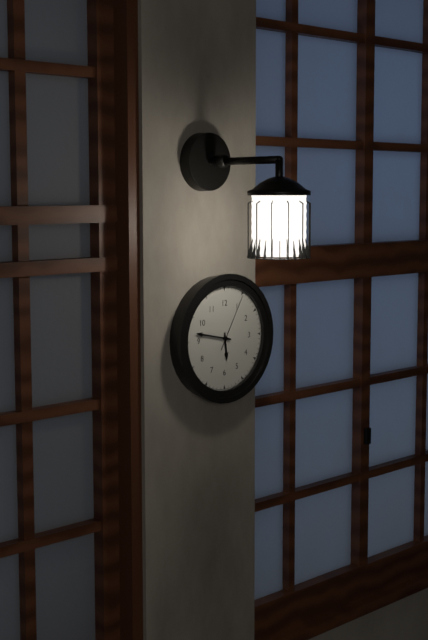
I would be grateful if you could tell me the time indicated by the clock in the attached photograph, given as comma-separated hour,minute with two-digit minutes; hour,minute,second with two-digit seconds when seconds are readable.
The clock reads 5,47,05
